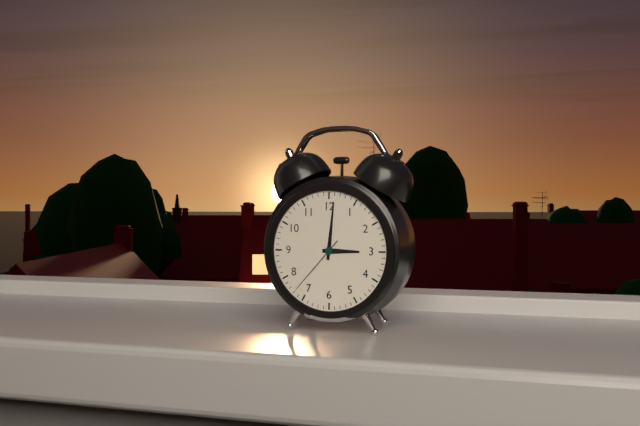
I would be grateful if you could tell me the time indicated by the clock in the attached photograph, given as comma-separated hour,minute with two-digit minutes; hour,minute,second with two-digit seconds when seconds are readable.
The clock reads 3,01,37
